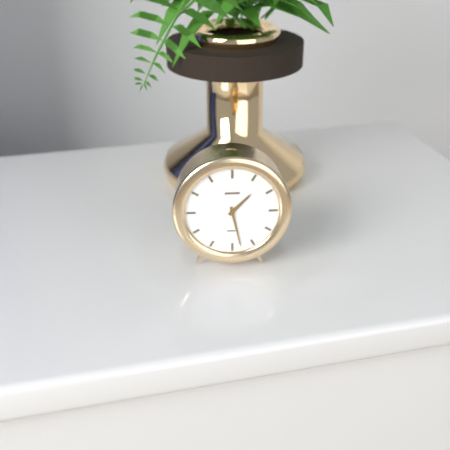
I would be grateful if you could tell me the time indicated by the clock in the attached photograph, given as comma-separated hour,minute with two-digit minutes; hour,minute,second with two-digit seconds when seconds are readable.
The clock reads 1,28
